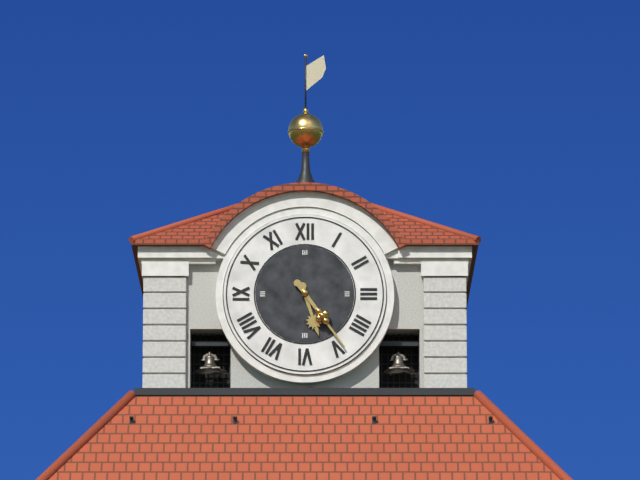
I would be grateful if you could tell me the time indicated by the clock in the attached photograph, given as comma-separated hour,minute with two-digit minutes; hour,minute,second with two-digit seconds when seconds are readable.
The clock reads 5,24
